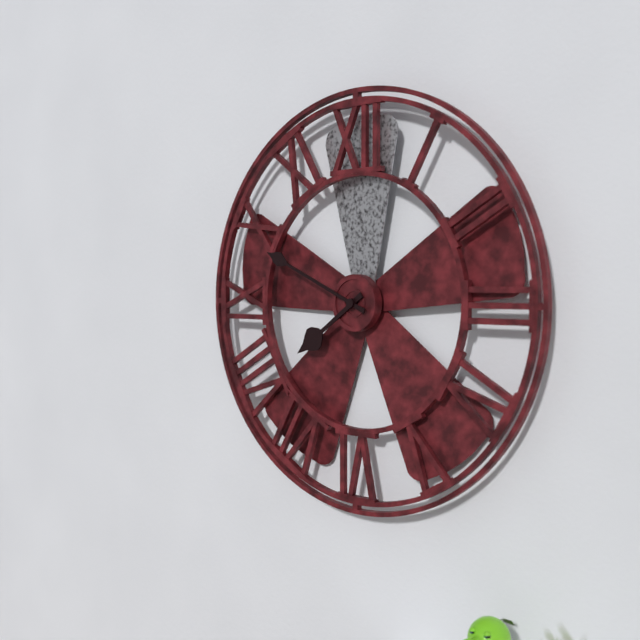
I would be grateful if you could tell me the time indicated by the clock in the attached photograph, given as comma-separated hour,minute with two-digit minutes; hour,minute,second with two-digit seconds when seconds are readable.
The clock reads 7,49
